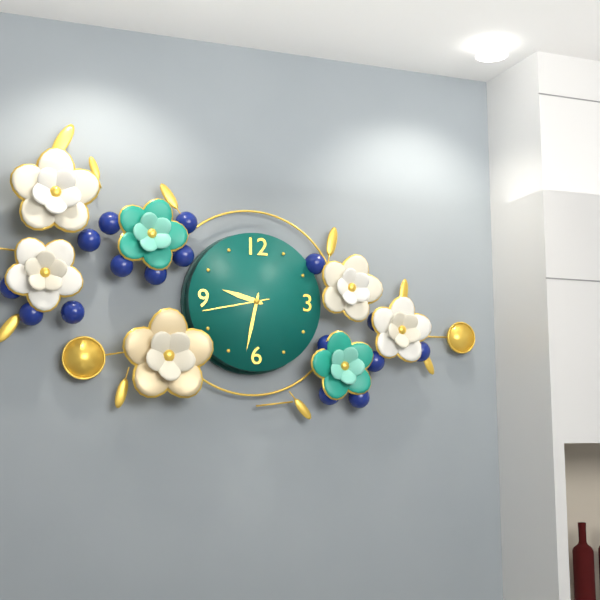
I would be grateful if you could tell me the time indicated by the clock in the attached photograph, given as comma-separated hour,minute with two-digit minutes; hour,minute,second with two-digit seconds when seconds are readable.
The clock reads 9,32,43
